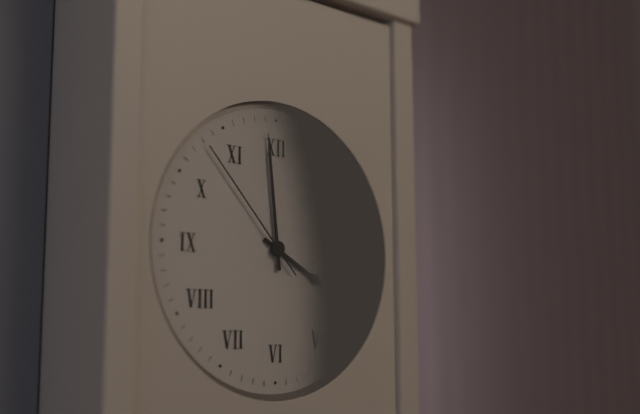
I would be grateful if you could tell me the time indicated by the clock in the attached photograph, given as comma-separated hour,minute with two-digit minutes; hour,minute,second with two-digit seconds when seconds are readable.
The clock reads 3,59,53
